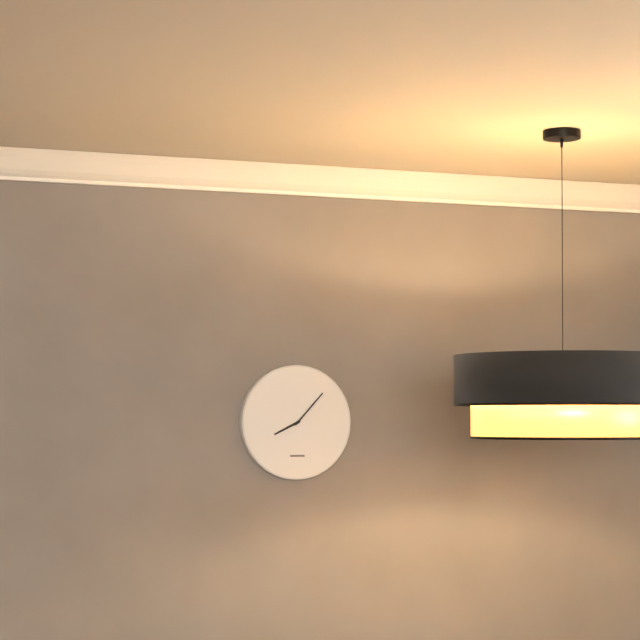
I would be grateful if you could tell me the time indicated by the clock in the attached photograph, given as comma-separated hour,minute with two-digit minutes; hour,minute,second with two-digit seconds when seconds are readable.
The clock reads 8,07
